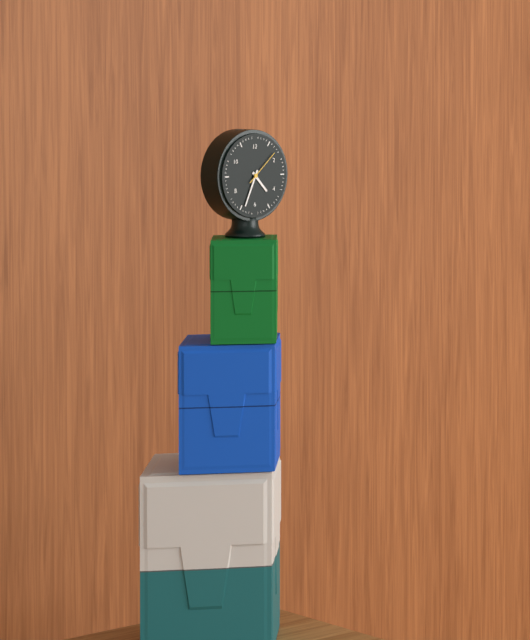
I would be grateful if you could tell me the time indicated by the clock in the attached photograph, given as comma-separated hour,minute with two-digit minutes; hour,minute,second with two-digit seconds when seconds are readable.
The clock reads 4,34
